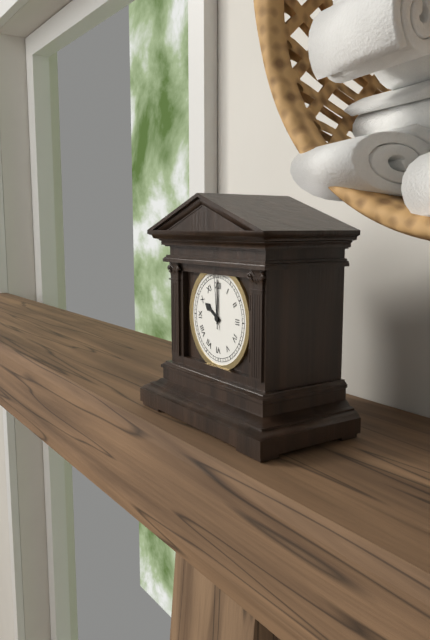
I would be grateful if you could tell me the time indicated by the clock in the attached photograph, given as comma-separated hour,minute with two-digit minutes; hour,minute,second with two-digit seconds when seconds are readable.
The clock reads 10,00,59
